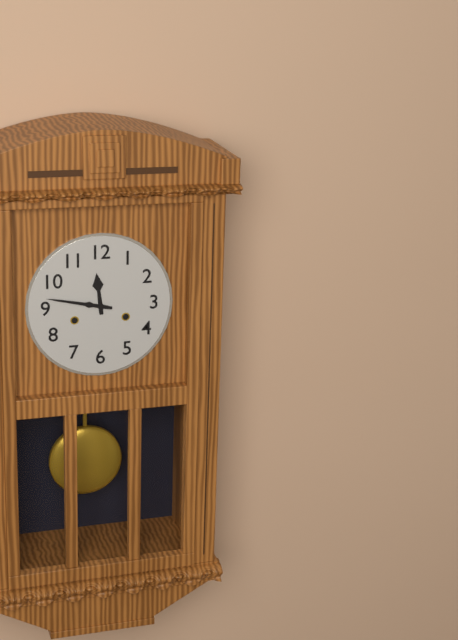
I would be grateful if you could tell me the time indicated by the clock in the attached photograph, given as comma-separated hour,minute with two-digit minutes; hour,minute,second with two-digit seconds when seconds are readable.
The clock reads 11,47
